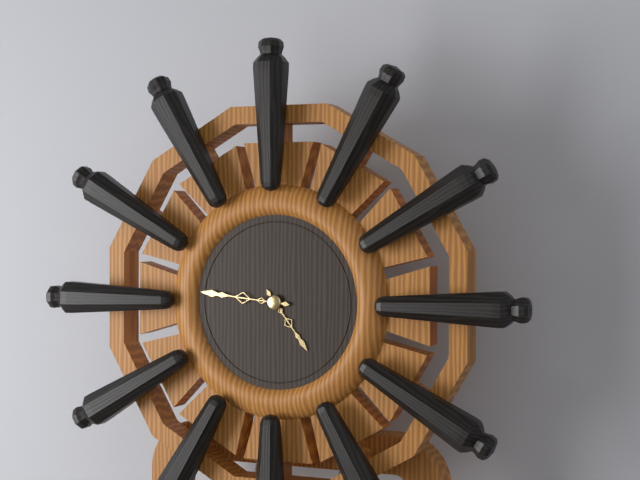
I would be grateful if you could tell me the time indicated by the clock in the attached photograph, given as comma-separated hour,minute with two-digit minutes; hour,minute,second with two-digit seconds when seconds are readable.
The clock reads 4,46
